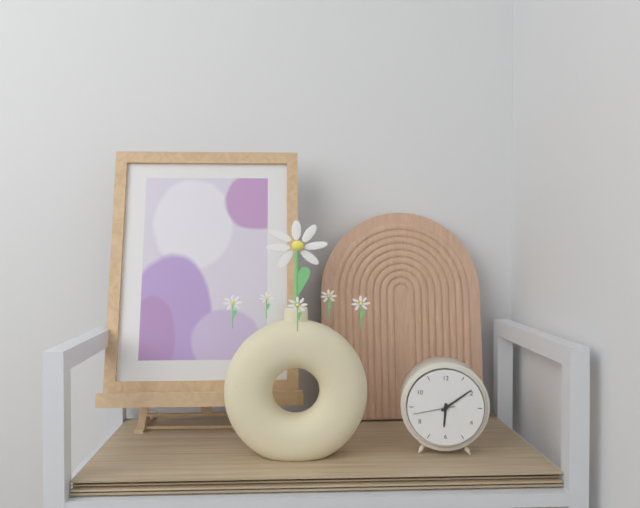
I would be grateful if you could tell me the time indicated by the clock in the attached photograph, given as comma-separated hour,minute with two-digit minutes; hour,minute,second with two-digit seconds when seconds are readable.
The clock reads 6,09
